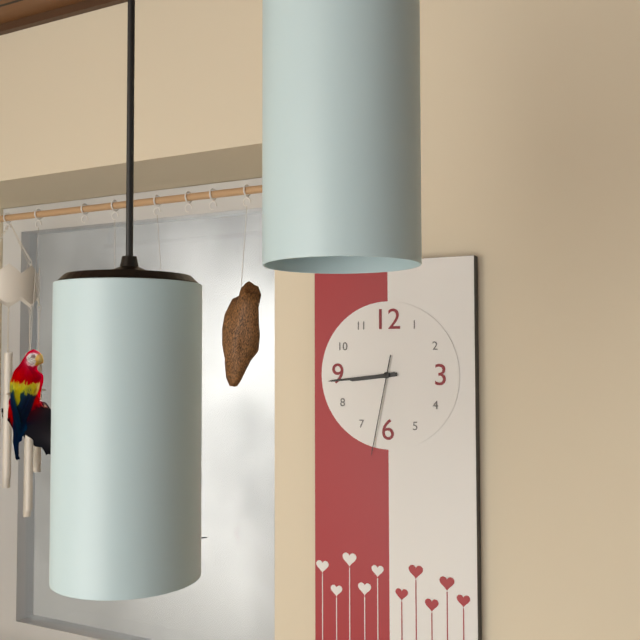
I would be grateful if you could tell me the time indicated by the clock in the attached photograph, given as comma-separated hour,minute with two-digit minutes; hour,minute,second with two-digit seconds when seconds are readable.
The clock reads 8,44,32
